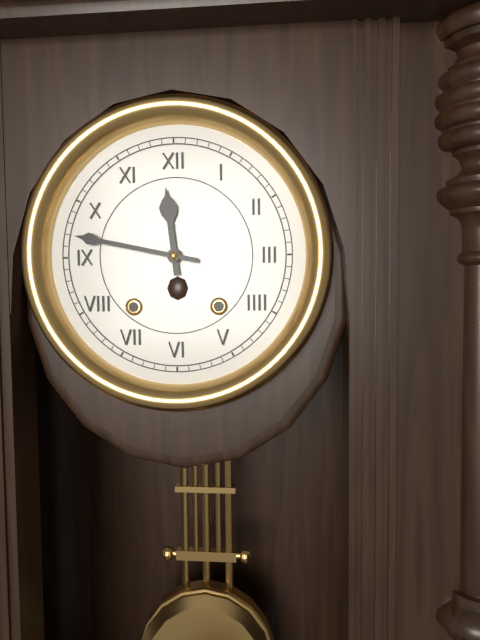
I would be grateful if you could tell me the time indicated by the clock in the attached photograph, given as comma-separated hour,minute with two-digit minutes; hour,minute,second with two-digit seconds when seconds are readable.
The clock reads 11,47
